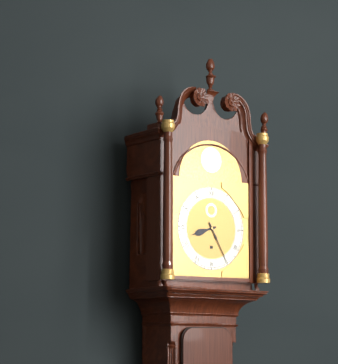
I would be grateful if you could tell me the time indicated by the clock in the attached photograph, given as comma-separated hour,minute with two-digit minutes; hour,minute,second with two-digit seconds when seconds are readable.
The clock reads 8,25
